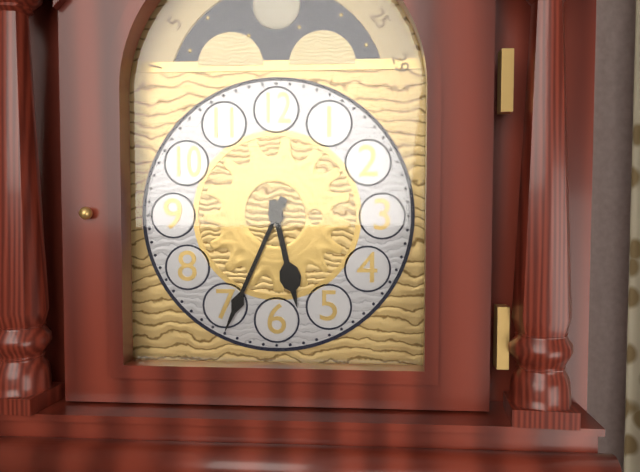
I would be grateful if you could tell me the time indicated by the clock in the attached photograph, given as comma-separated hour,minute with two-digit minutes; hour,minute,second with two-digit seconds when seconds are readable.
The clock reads 5,34
